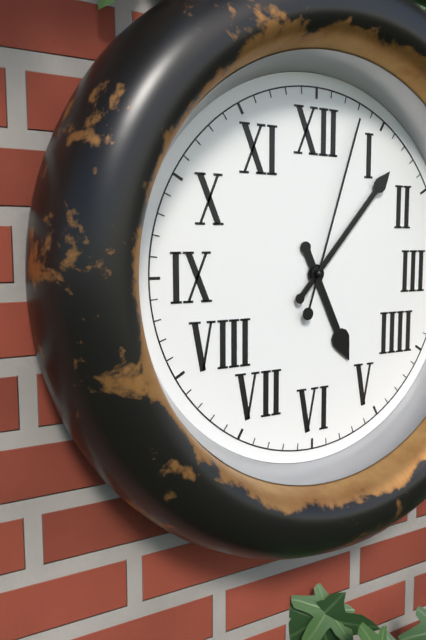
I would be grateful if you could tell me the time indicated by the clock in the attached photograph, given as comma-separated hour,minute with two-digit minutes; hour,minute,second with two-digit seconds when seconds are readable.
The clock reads 5,07,03
